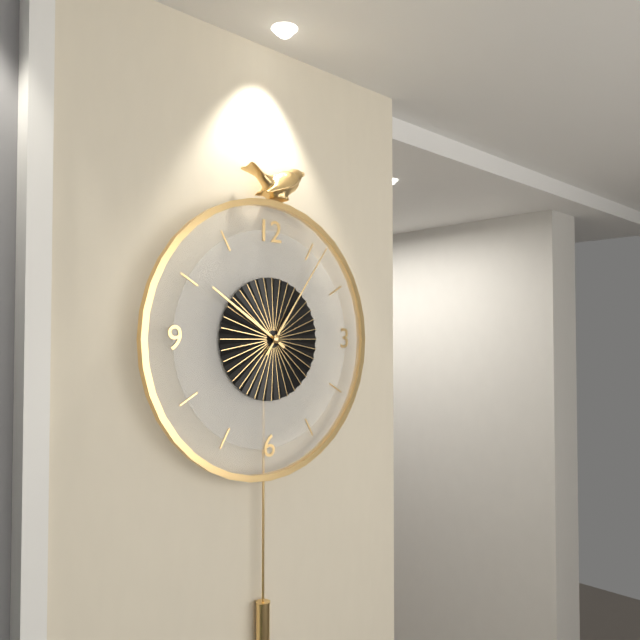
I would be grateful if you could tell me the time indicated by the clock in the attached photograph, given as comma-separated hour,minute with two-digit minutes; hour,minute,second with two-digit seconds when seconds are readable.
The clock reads 10,06
